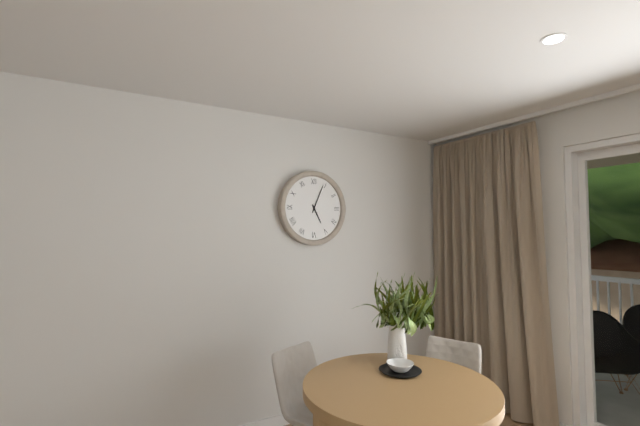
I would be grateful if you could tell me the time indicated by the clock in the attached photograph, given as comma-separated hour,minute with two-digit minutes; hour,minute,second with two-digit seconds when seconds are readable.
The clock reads 5,04
